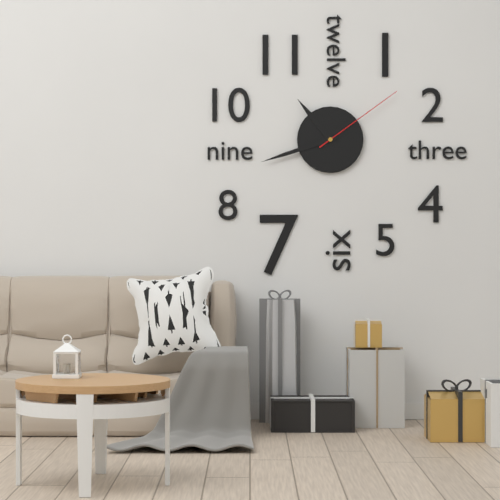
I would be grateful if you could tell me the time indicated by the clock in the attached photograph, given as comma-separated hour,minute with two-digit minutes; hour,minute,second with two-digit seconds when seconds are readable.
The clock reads 10,42,09
